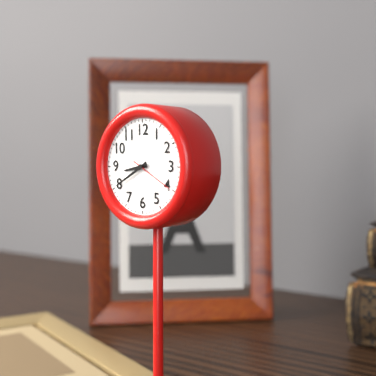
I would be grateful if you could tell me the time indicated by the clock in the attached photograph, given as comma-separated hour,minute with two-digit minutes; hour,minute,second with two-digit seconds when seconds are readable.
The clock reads 8,40
